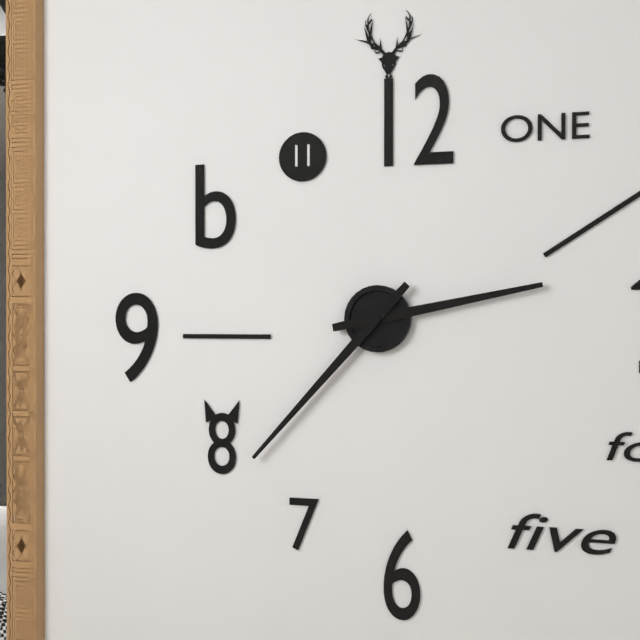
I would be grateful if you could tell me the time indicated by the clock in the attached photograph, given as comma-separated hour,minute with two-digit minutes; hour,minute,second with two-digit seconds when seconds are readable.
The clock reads 2,37
